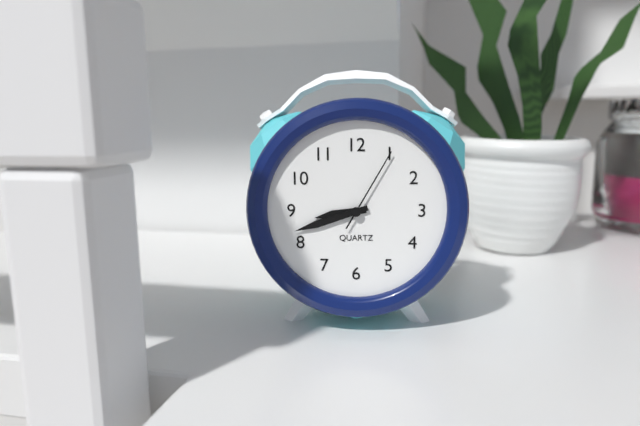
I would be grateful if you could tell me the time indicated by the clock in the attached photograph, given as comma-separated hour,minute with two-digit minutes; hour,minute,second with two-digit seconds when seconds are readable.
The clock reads 8,42,05
